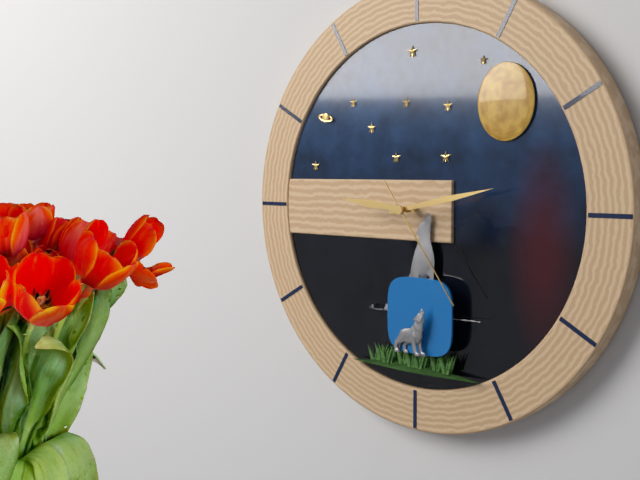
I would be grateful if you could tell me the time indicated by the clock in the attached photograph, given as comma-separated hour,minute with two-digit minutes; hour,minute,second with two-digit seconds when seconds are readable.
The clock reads 9,13,24
